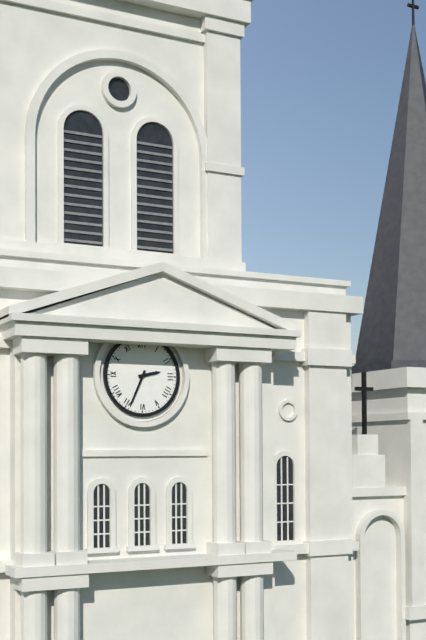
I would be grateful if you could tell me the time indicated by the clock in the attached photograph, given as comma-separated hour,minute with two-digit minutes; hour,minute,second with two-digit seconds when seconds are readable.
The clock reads 2,34
